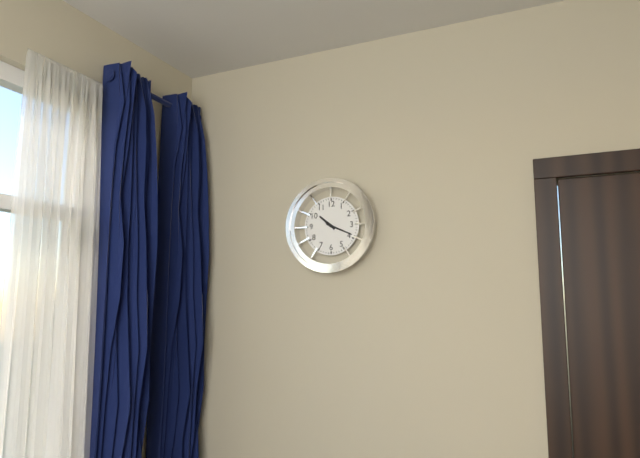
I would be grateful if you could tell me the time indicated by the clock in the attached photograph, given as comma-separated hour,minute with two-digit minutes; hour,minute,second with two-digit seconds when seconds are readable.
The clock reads 10,19
